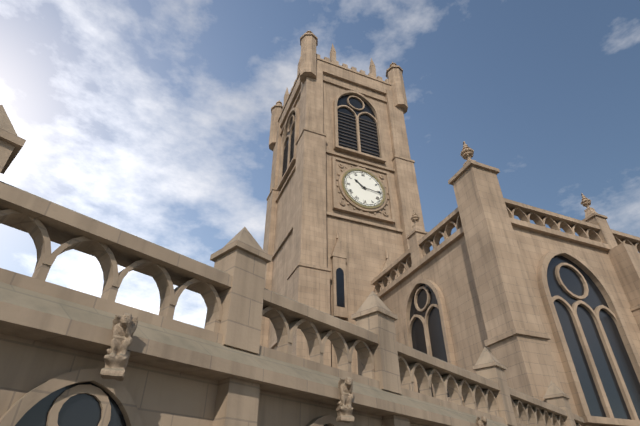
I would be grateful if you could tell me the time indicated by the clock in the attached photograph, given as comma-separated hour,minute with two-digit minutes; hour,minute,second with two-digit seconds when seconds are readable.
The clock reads 10,16
